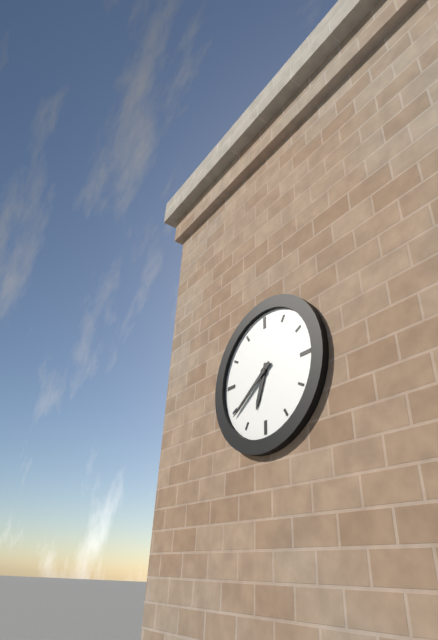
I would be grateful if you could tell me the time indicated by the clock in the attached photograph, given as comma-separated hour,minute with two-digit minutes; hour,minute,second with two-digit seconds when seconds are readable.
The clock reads 6,39
